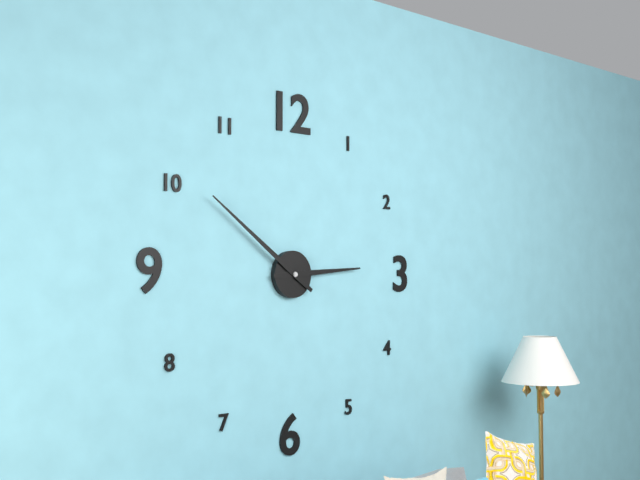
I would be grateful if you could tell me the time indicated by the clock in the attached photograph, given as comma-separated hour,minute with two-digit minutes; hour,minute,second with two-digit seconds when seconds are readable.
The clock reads 2,51
